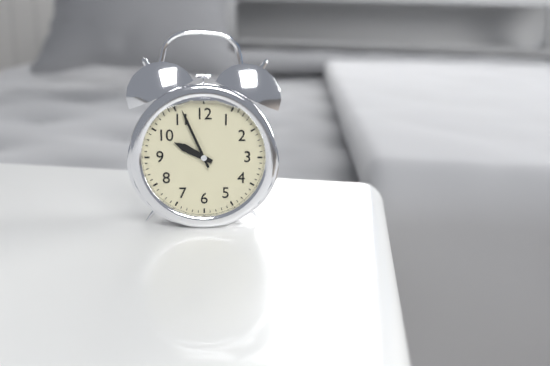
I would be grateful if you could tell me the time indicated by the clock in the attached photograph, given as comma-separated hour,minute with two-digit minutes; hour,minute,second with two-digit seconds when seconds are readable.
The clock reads 9,56
